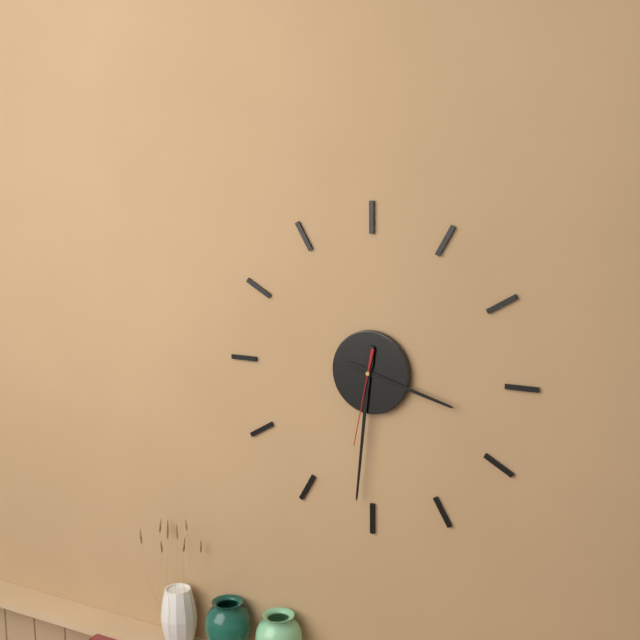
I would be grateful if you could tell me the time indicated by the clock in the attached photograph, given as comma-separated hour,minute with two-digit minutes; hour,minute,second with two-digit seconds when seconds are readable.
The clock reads 3,31,32
